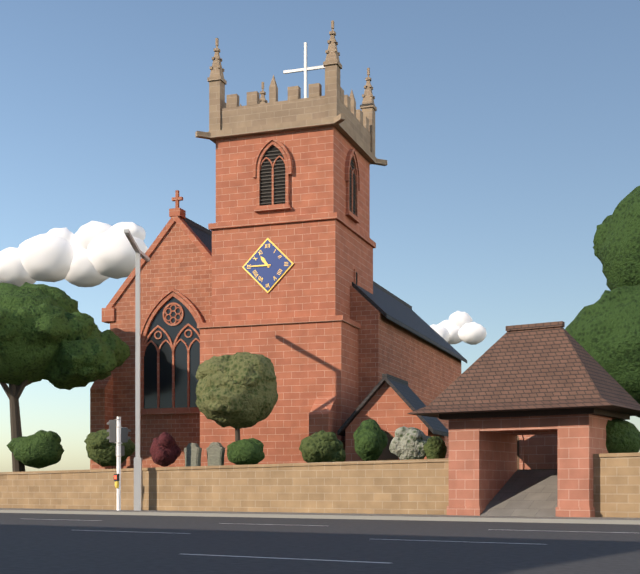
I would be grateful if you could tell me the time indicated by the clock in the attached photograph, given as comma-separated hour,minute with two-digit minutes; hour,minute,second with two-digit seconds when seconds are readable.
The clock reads 10,45
